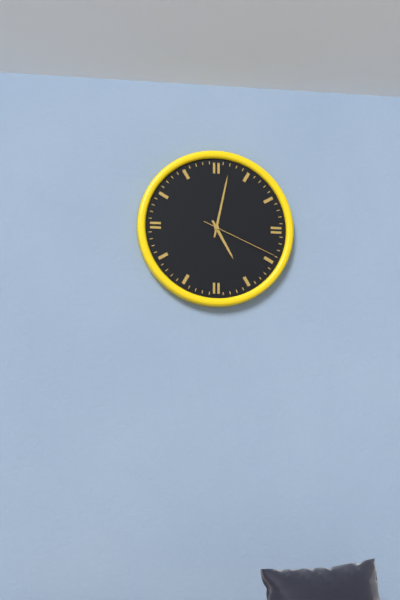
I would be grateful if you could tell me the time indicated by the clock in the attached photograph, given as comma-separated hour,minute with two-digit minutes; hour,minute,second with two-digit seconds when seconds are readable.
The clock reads 5,02,19
